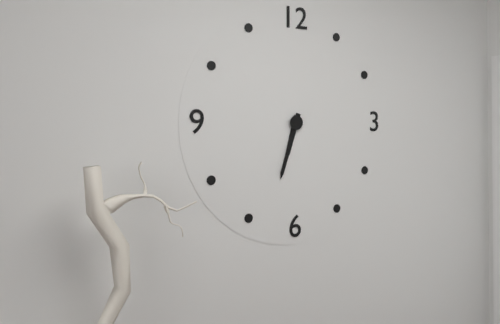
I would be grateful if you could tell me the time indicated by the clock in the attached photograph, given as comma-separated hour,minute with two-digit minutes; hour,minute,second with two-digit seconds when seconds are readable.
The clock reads 6,33
